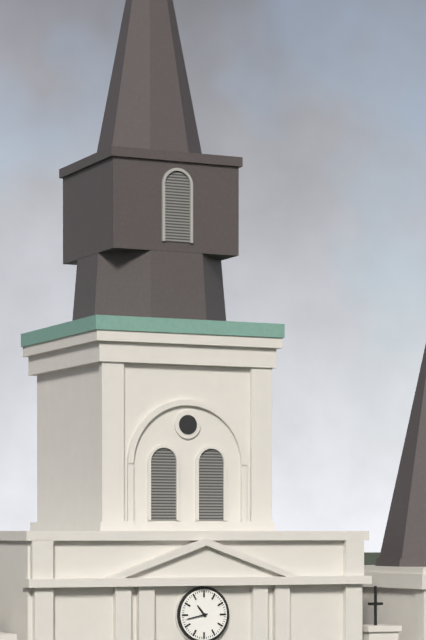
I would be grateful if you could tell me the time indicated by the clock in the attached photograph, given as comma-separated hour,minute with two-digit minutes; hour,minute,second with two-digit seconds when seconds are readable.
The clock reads 10,43
